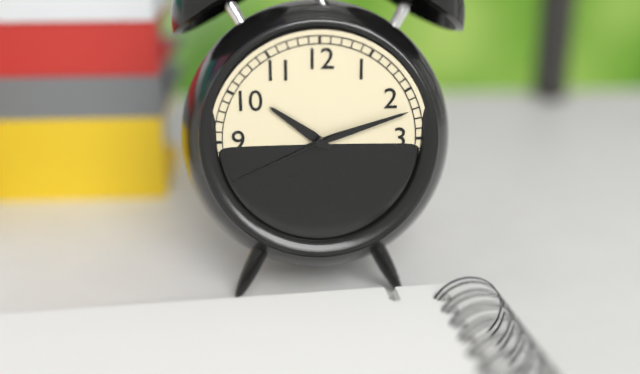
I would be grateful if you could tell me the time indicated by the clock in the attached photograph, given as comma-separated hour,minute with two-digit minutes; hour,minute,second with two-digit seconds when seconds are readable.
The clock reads 10,12,41
